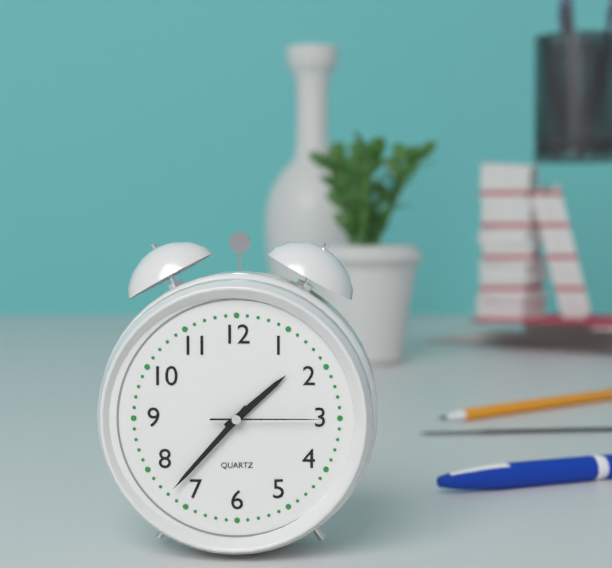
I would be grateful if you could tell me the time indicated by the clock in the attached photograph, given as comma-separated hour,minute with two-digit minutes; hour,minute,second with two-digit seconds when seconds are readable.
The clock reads 1,37,15
